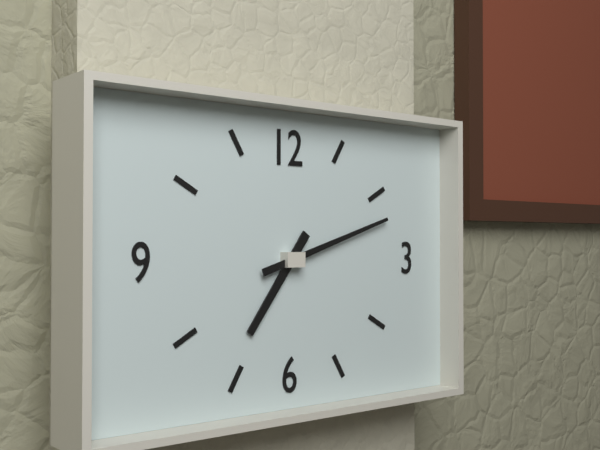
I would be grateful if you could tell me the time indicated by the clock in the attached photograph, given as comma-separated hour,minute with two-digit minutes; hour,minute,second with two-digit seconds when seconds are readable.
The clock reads 7,12
